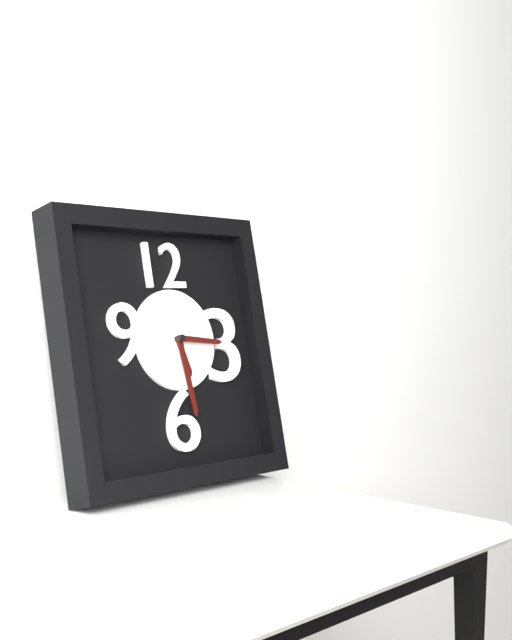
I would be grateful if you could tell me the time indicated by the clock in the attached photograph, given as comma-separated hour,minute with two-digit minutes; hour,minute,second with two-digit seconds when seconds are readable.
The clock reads 5,29,16
